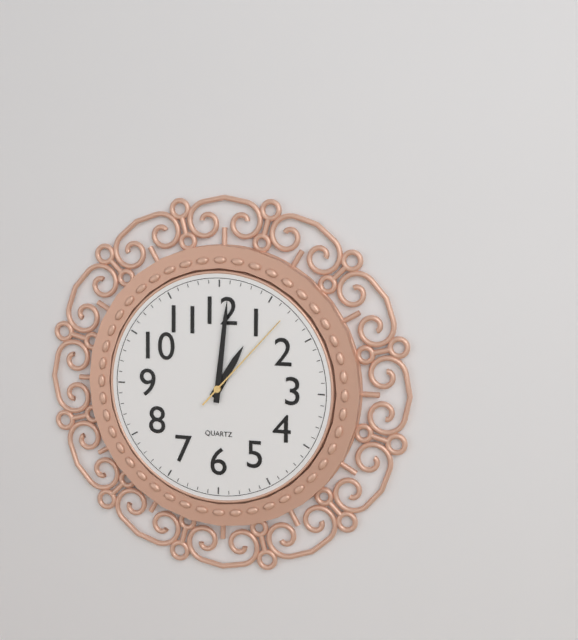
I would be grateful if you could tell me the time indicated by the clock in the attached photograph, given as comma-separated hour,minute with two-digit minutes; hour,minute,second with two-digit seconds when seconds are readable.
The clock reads 1,01,07
